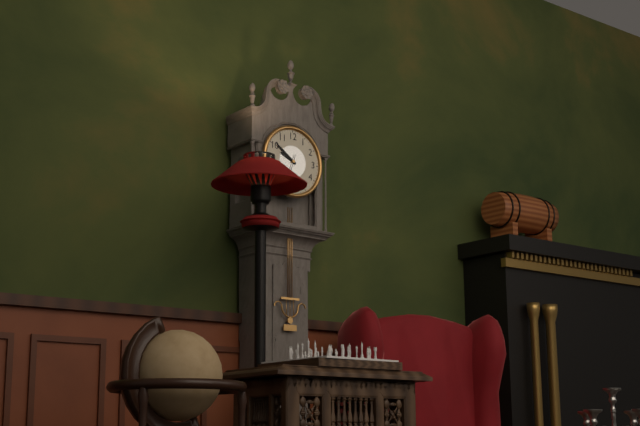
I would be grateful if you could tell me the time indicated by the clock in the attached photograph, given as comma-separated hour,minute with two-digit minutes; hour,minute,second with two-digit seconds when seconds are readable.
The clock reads 9,51
